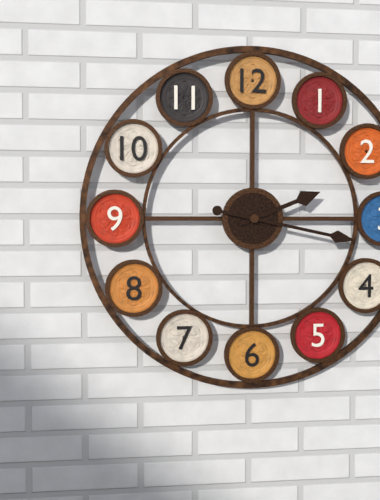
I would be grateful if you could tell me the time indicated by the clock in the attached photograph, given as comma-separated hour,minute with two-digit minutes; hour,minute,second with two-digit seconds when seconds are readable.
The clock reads 2,17
